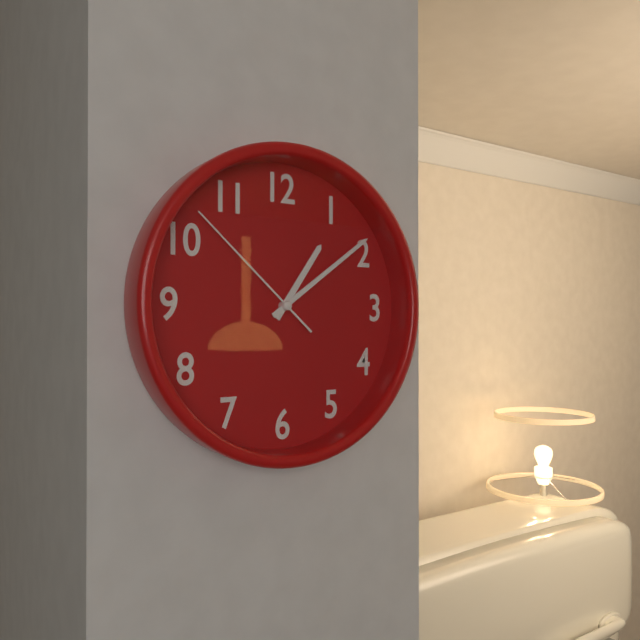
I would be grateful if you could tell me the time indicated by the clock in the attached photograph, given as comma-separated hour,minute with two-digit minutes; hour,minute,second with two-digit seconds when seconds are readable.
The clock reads 1,09,52
